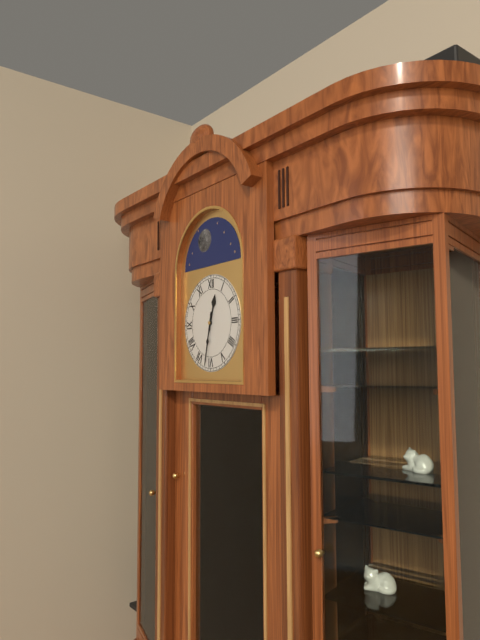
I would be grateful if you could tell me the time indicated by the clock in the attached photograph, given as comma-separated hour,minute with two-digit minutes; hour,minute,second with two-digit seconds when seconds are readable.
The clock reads 12,32
